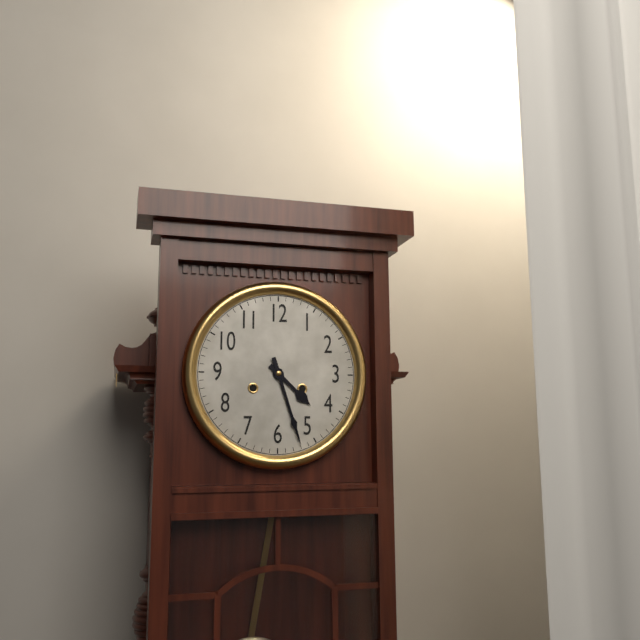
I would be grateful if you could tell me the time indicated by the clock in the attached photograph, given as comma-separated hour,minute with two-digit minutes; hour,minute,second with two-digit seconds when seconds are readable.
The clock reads 4,27
